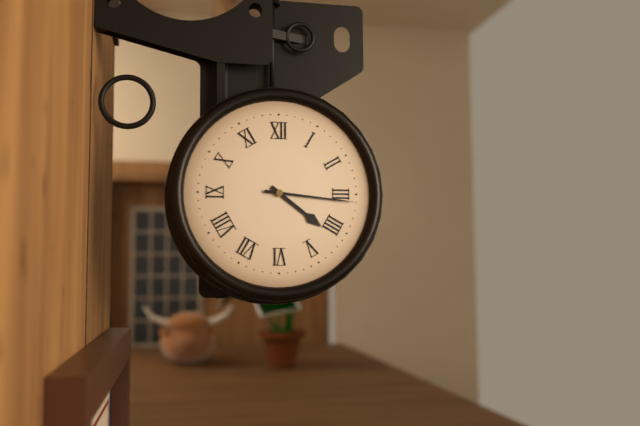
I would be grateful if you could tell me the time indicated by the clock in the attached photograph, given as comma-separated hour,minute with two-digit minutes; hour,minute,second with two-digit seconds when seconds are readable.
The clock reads 4,16
